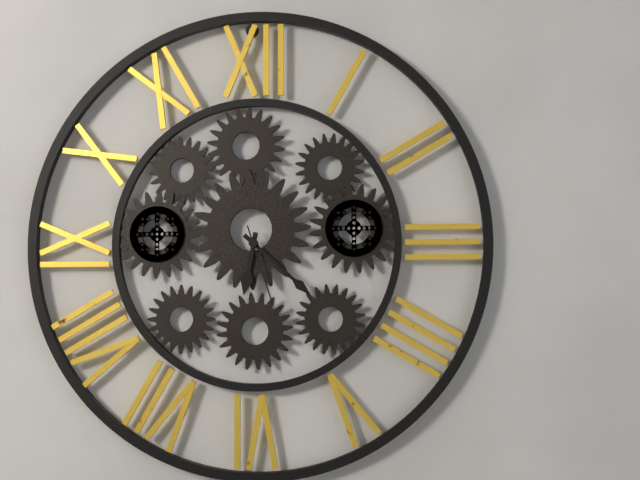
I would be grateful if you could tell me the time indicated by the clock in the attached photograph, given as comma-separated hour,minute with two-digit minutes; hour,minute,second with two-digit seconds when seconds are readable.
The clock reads 6,22,27
